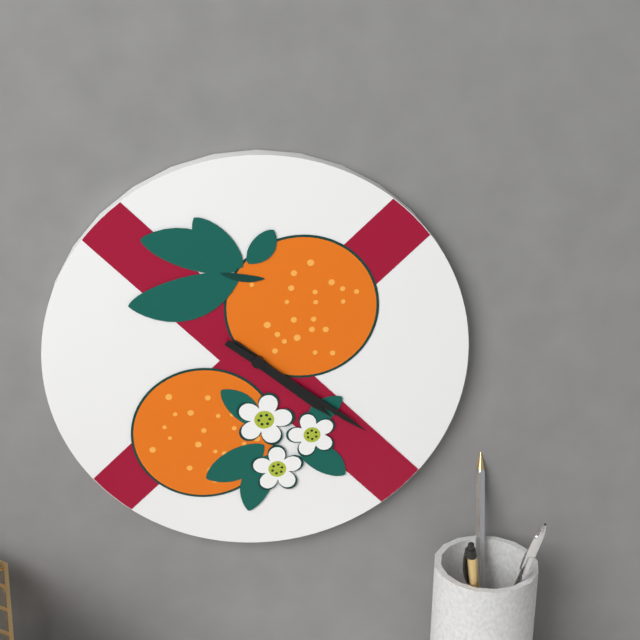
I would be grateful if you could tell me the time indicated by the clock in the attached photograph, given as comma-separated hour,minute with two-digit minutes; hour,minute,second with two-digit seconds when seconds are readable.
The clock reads 4,21
